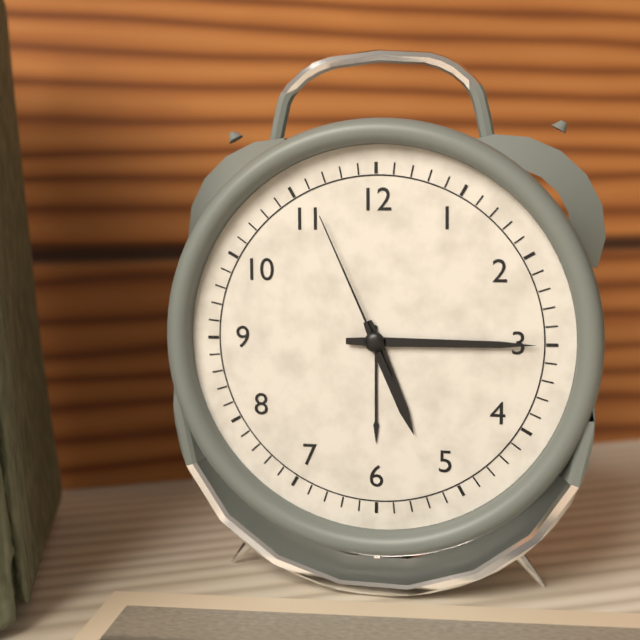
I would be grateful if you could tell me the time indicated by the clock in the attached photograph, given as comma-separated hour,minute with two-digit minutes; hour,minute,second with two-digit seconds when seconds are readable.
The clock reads 5,15,56
